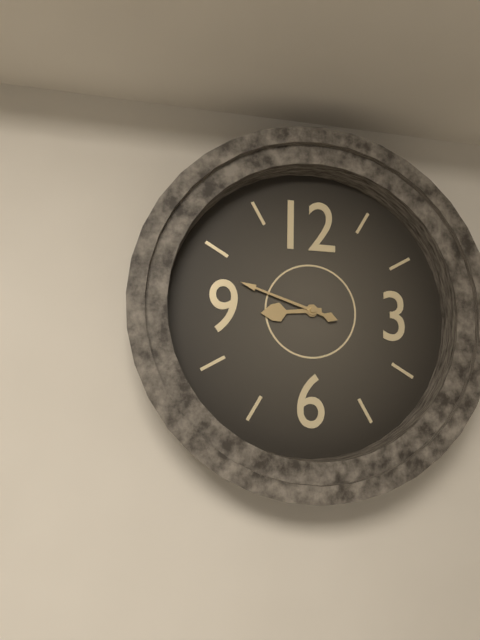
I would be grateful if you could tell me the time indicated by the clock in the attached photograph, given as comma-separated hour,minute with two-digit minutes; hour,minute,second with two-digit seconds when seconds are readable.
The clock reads 8,48
